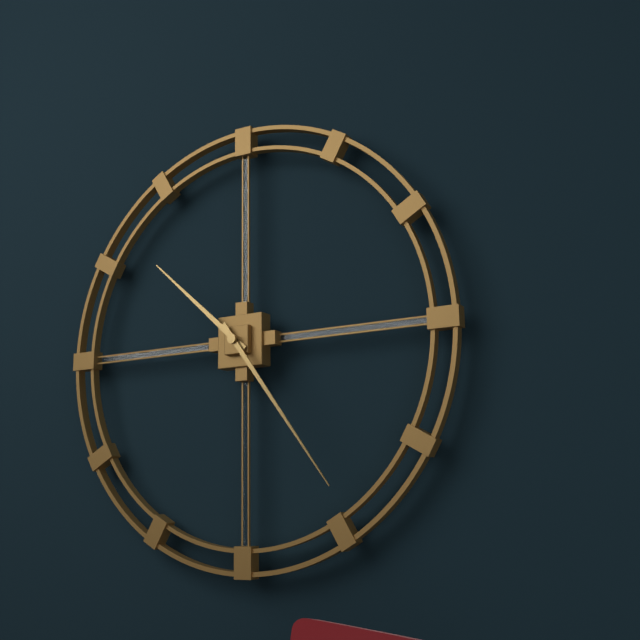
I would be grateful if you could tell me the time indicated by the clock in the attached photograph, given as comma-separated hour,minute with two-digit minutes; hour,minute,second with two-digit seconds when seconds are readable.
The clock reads 10,24
